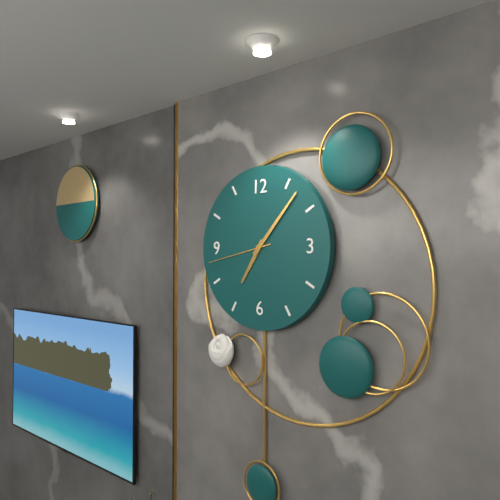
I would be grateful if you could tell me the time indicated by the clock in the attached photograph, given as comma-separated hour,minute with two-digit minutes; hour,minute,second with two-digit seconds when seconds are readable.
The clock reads 7,07,43
